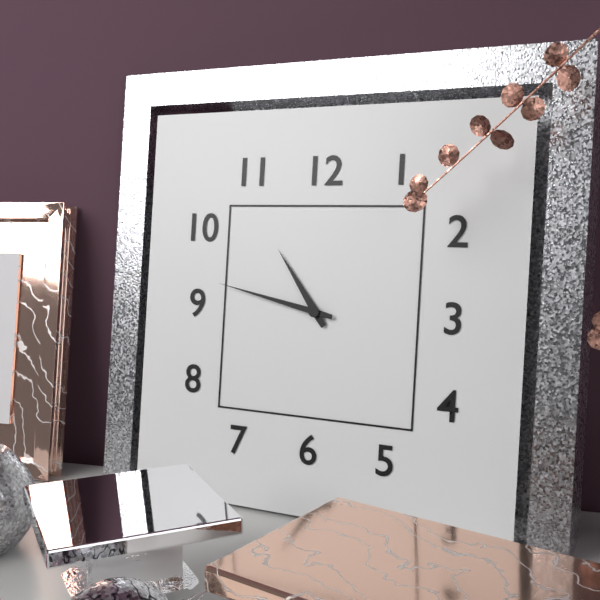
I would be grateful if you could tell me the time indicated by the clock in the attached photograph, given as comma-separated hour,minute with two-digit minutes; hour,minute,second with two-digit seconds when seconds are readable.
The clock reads 10,47
